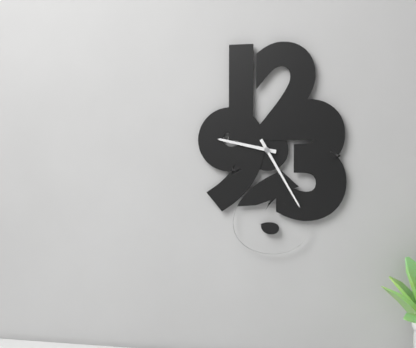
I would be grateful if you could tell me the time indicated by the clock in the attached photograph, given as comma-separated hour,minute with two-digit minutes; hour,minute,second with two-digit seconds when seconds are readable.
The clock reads 9,25
